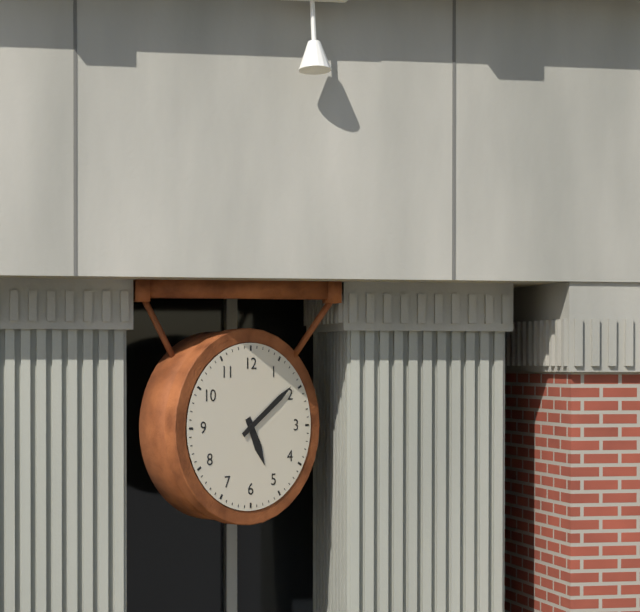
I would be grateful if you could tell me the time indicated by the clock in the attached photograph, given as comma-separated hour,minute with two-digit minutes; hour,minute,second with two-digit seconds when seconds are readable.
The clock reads 5,09
